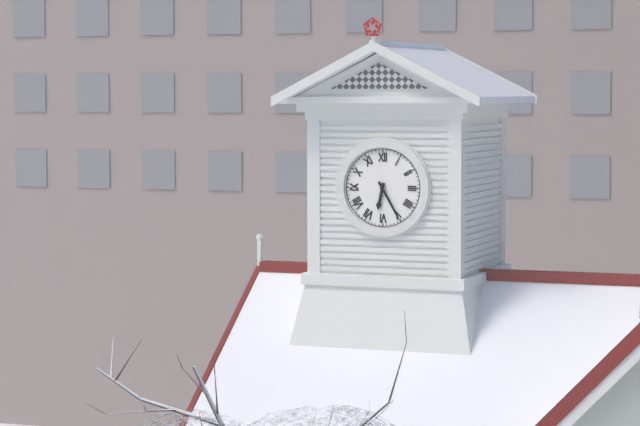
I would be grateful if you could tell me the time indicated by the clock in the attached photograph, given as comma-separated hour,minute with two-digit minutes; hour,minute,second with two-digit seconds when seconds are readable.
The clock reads 6,25
